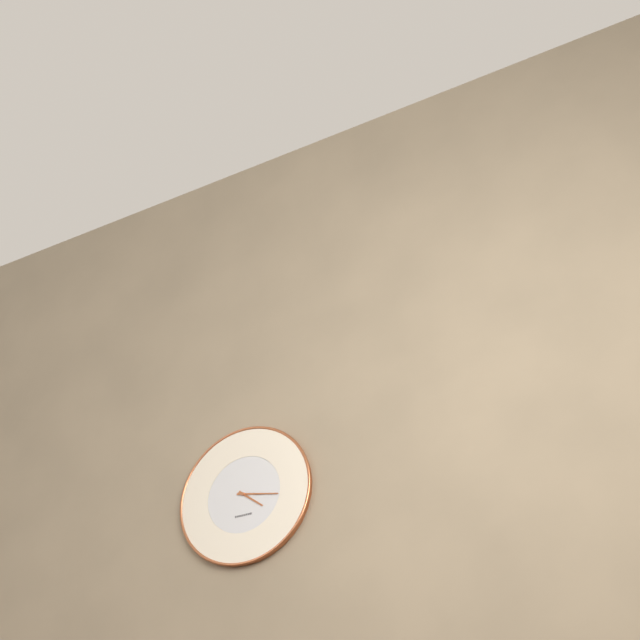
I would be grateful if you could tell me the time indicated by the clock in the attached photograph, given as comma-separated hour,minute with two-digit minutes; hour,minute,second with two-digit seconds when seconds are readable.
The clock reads 4,17
